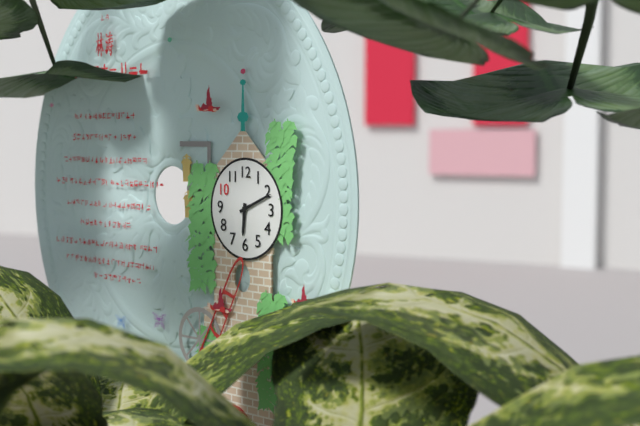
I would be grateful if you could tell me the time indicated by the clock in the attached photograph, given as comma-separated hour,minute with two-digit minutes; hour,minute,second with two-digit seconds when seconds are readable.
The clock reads 6,11
